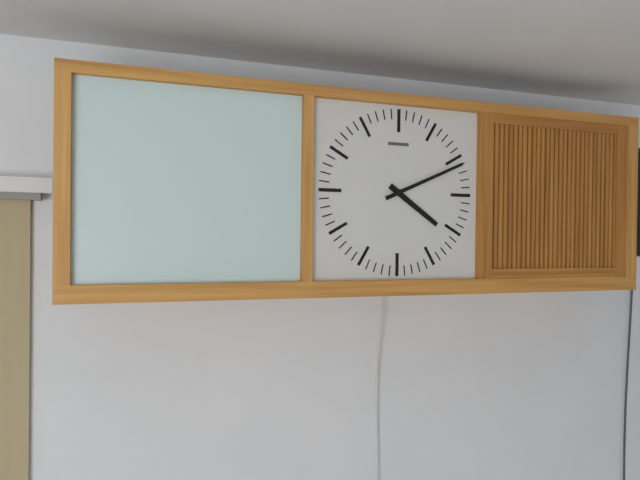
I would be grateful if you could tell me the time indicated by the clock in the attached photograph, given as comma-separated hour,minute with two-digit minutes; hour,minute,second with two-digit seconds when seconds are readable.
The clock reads 4,11
